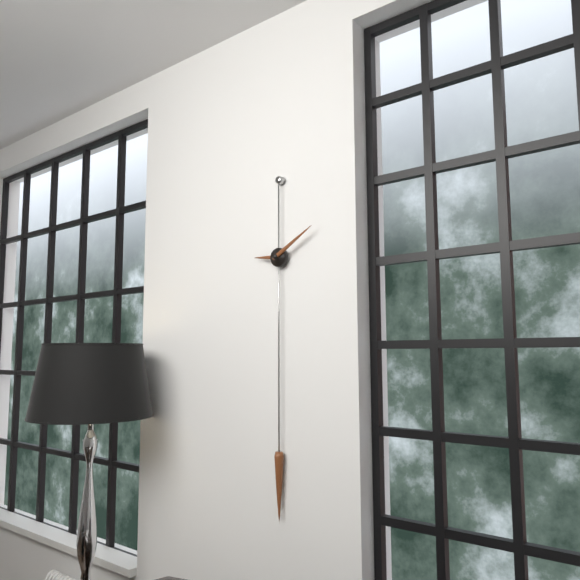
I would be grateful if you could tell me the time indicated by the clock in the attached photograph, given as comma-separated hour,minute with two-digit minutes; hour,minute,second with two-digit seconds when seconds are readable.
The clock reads 9,10
